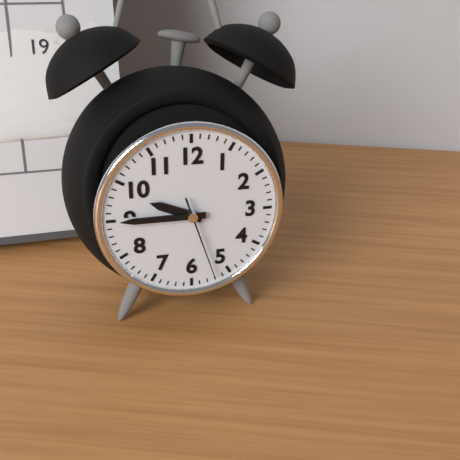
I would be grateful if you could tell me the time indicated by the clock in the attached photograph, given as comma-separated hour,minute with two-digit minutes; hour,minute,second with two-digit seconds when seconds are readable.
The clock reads 9,45,27
